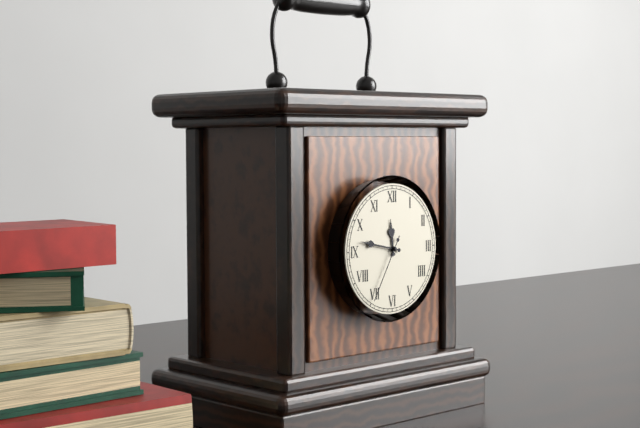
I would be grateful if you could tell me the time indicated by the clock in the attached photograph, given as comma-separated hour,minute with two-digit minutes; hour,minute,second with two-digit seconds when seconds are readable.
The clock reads 11,47,35
